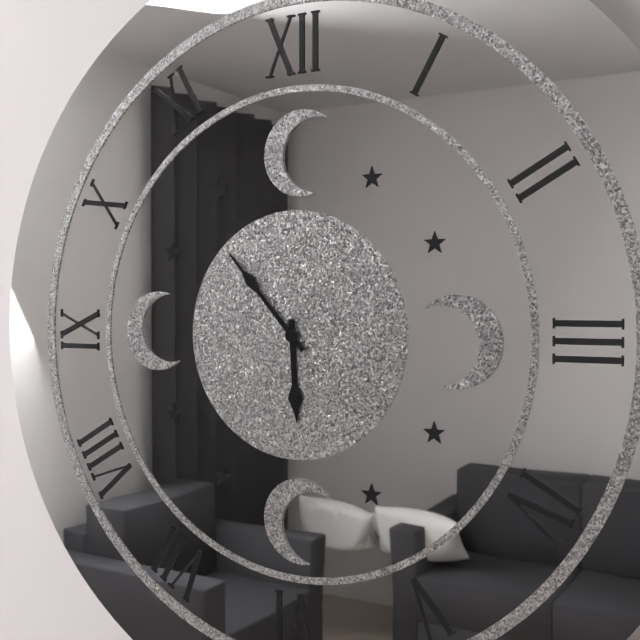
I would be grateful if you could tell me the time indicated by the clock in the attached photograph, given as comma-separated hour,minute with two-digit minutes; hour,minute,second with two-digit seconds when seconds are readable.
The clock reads 5,53
